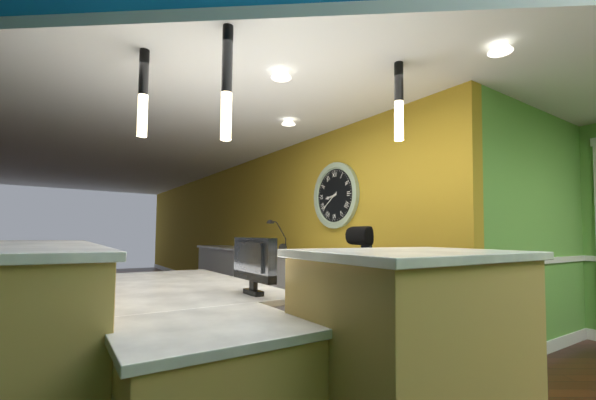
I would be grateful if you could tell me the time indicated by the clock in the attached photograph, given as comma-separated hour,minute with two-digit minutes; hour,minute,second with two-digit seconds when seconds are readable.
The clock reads 8,39
